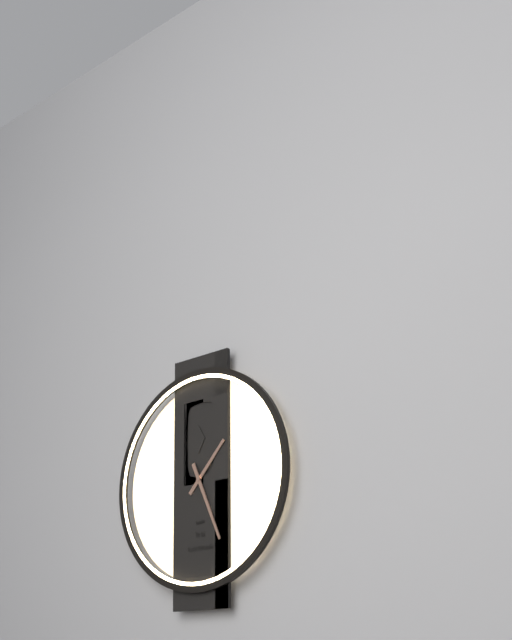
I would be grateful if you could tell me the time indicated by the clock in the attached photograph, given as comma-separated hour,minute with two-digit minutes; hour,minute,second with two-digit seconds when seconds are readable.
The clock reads 1,26
